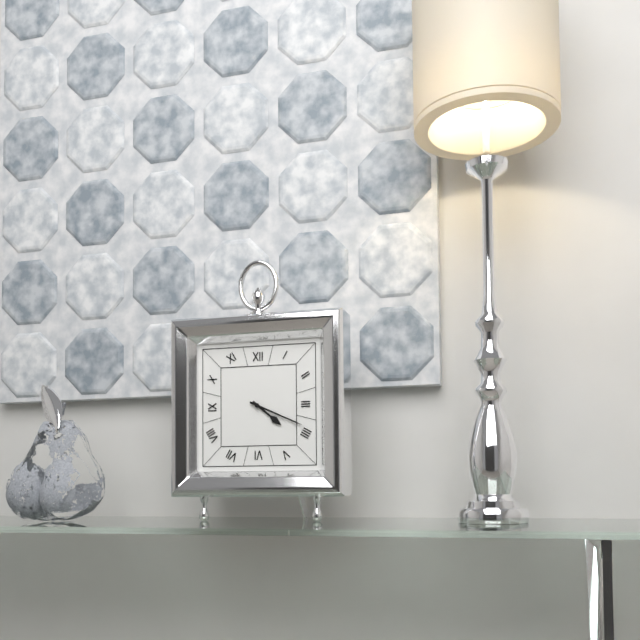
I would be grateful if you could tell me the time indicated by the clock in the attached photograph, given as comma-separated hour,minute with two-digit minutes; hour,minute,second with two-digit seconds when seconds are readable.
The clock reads 4,19
